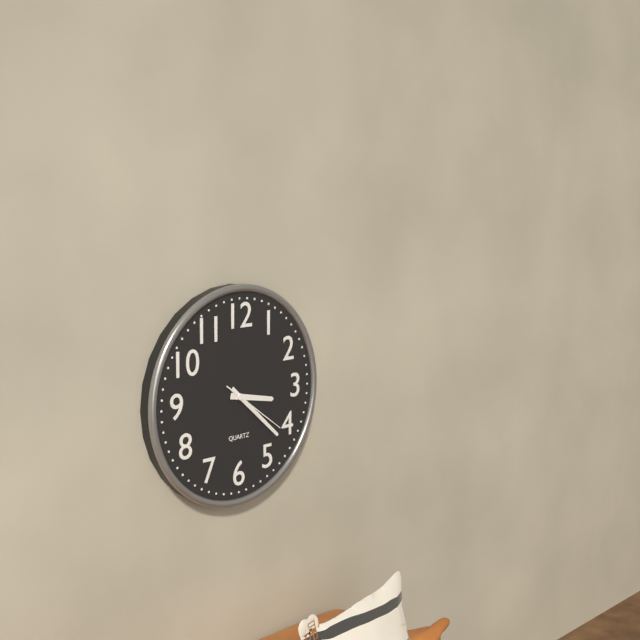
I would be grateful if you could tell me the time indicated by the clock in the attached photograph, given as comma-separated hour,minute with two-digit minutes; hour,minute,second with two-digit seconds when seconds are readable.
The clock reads 3,22,21
